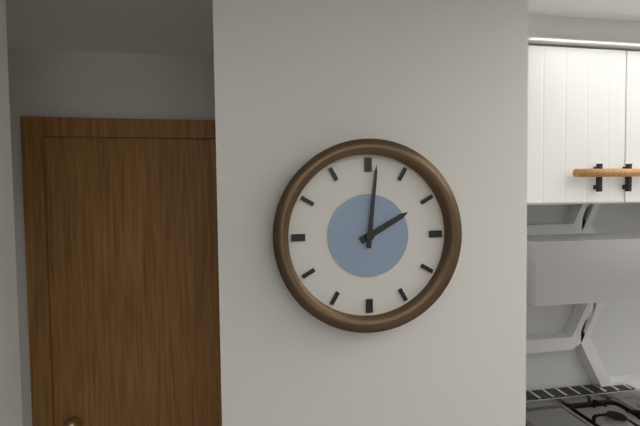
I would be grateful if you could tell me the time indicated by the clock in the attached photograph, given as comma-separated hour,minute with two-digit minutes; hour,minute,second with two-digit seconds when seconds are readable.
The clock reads 2,01
